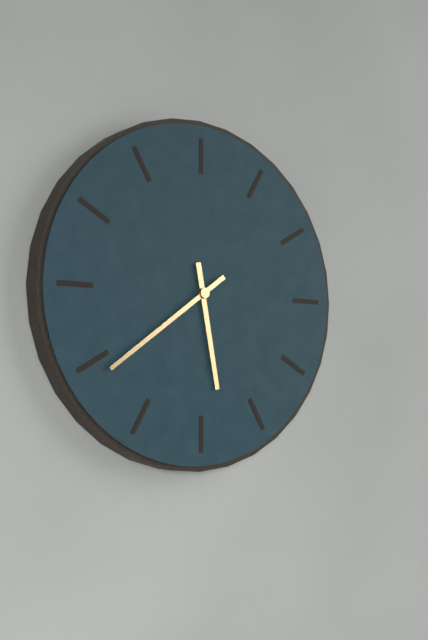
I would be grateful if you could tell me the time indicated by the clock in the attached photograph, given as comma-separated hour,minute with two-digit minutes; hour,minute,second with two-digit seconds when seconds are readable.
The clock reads 5,39
